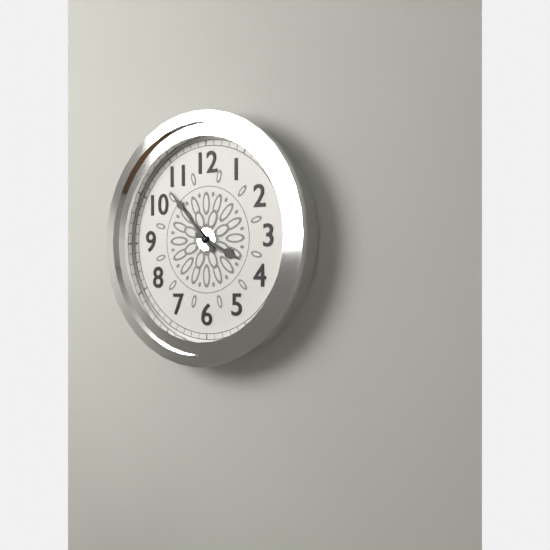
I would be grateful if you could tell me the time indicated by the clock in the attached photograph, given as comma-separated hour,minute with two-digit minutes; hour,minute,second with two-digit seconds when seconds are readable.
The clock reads 3,53
